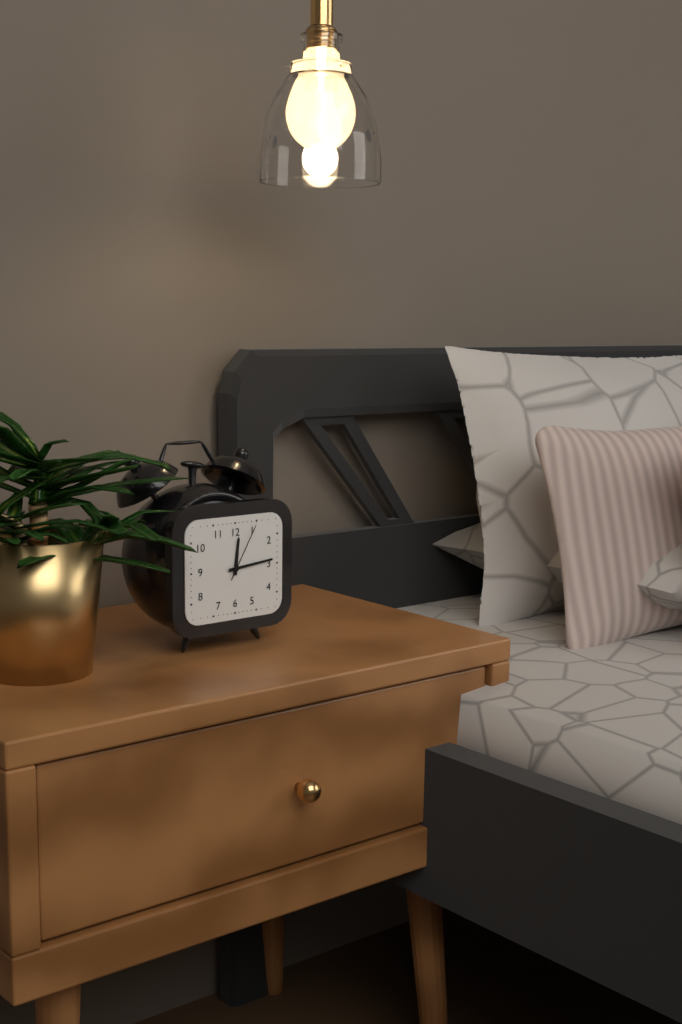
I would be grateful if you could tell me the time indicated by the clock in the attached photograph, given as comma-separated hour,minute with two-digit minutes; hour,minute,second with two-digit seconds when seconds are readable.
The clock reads 12,14,05
